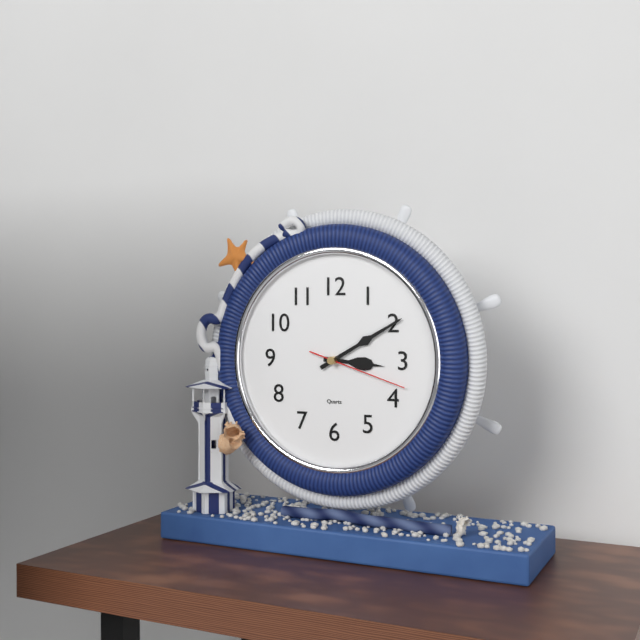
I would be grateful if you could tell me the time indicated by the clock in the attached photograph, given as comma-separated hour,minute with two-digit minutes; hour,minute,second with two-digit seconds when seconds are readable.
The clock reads 3,10,18
